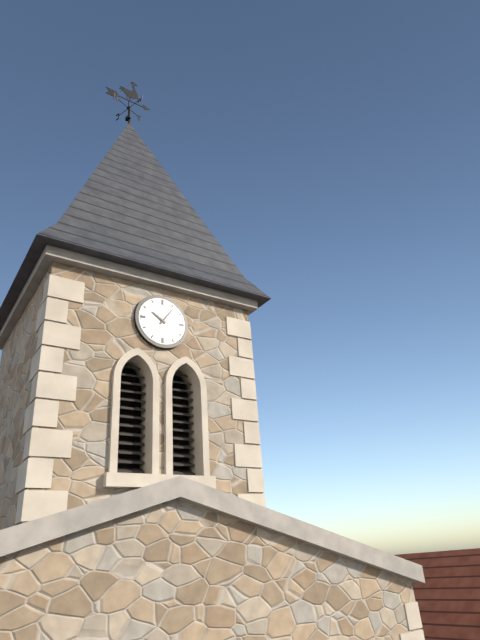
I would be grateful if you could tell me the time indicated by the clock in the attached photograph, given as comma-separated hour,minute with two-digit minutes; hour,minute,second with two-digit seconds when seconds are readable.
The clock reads 10,06
